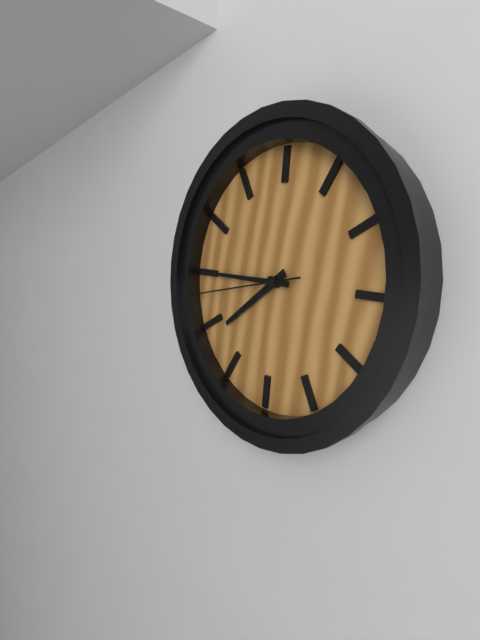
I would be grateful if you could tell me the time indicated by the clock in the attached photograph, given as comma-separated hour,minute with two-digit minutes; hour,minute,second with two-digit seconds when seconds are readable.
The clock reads 7,45,43
